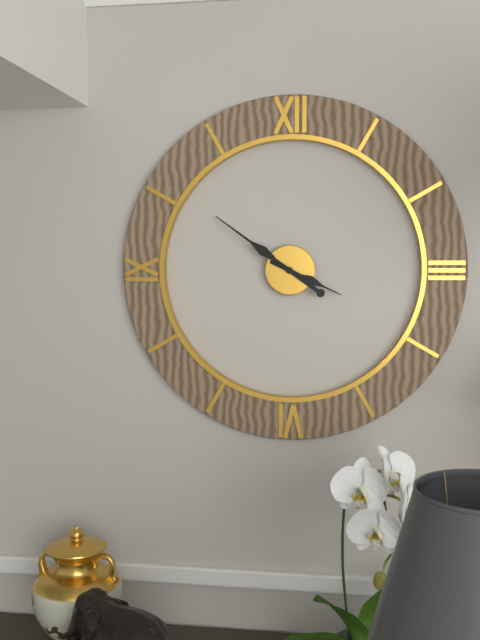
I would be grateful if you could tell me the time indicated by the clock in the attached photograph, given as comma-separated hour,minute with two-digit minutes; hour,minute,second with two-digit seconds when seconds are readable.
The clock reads 3,51
